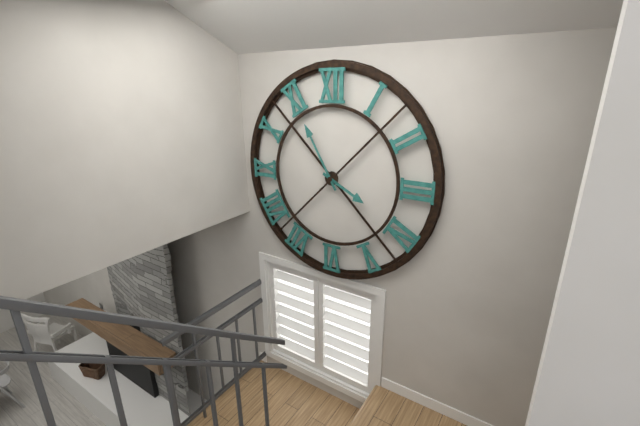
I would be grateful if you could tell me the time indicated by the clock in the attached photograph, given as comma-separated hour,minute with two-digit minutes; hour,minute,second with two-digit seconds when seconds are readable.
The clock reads 3,55
